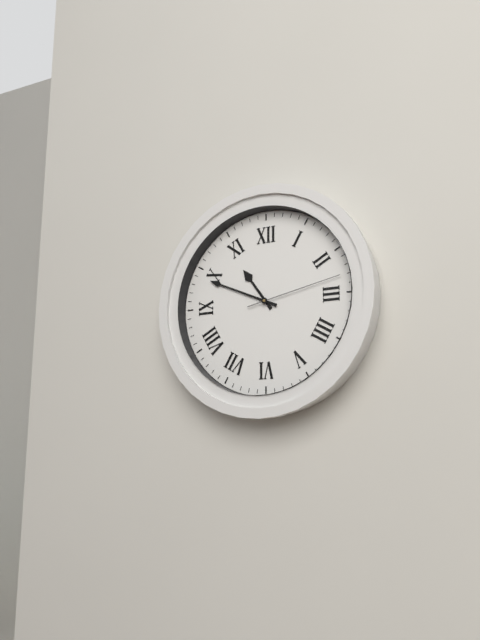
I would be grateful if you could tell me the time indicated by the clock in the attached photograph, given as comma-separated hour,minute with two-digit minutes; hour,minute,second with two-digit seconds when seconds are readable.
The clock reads 10,49,13
